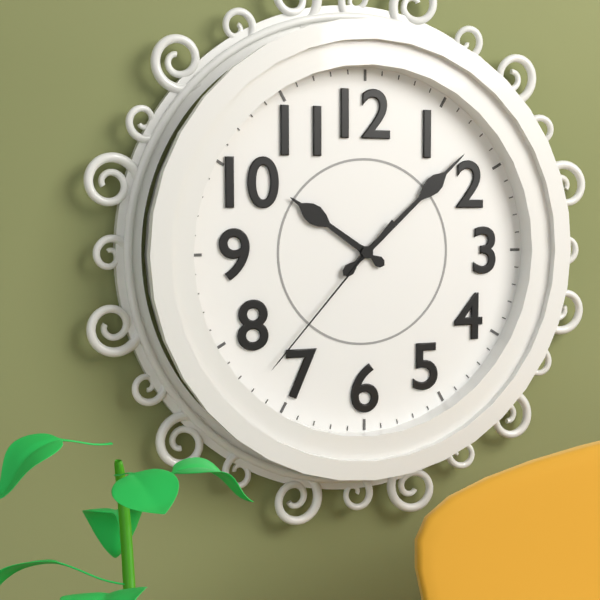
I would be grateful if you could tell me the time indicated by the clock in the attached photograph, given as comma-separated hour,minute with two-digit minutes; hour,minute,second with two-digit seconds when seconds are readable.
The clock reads 10,08,37
